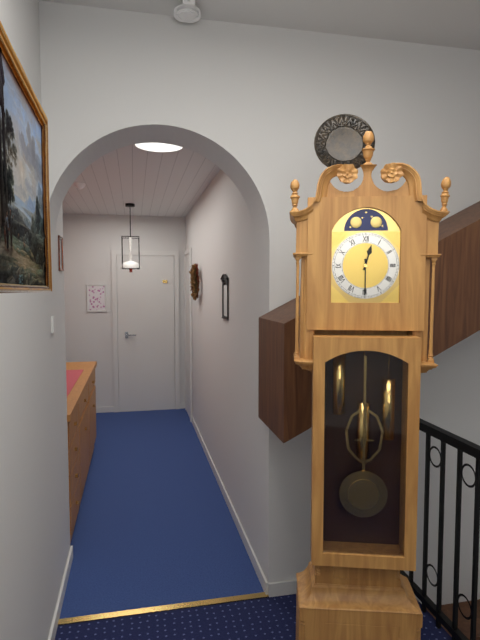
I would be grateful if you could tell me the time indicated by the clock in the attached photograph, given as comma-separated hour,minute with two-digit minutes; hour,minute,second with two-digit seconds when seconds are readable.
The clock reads 12,30
